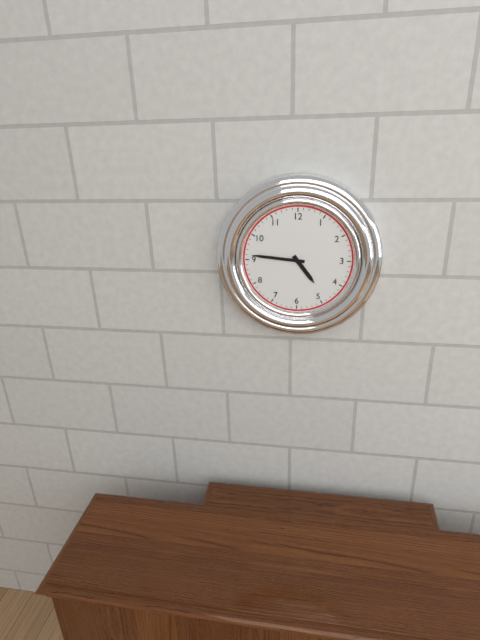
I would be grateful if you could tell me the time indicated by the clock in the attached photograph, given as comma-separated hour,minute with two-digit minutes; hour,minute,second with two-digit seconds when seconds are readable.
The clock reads 4,46
